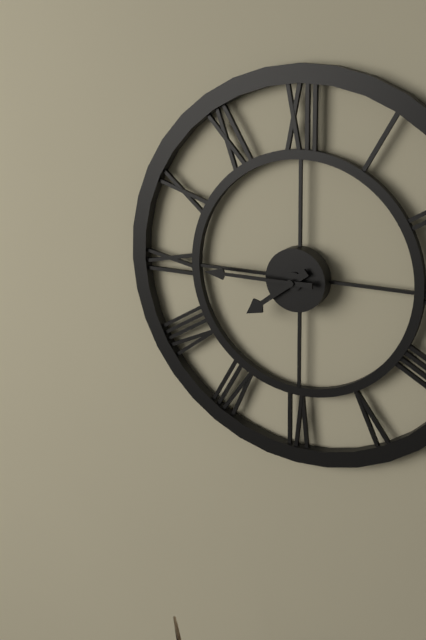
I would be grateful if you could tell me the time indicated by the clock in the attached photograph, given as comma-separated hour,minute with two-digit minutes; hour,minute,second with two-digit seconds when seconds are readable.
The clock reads 7,45
